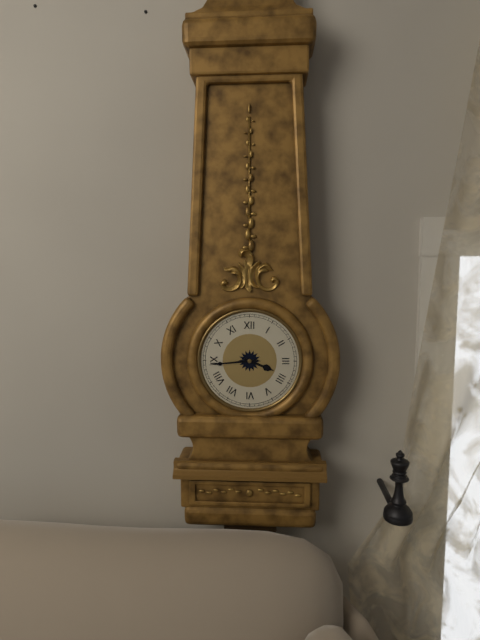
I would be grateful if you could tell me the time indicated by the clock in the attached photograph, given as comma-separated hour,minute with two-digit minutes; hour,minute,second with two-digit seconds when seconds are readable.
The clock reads 3,44
